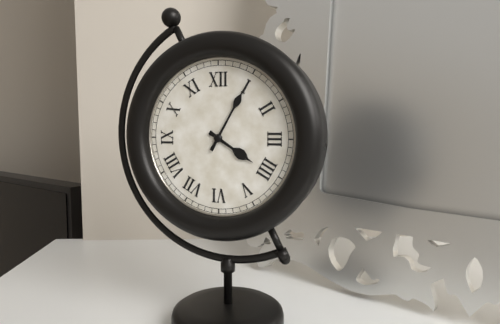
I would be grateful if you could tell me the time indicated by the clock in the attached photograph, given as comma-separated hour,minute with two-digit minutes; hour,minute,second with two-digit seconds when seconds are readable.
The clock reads 4,05
